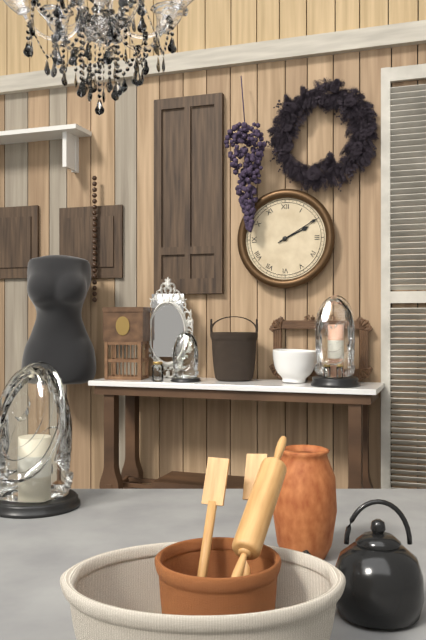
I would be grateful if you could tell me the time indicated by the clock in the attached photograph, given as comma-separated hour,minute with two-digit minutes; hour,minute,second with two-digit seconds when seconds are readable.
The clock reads 2,10
